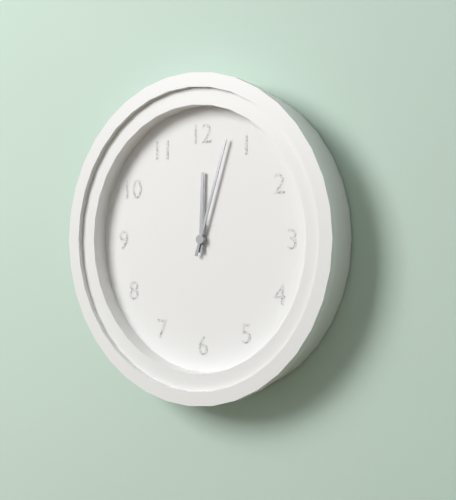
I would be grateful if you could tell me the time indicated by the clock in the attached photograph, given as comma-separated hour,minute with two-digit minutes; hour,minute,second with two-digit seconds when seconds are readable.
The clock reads 12,03
